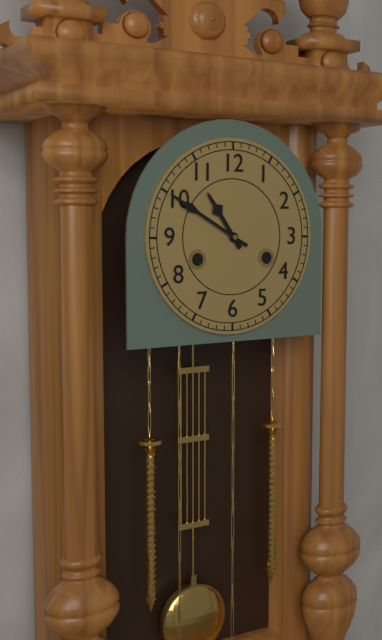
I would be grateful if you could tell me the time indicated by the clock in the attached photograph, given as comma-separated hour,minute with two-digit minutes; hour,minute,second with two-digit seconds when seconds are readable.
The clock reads 10,50
